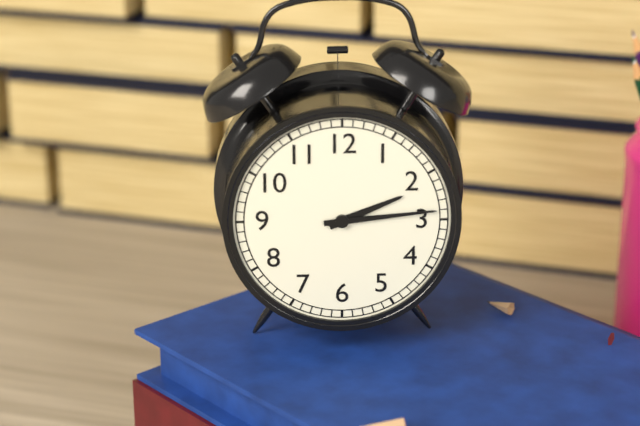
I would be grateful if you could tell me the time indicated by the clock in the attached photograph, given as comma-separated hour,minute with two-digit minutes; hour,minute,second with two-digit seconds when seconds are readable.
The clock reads 2,14
